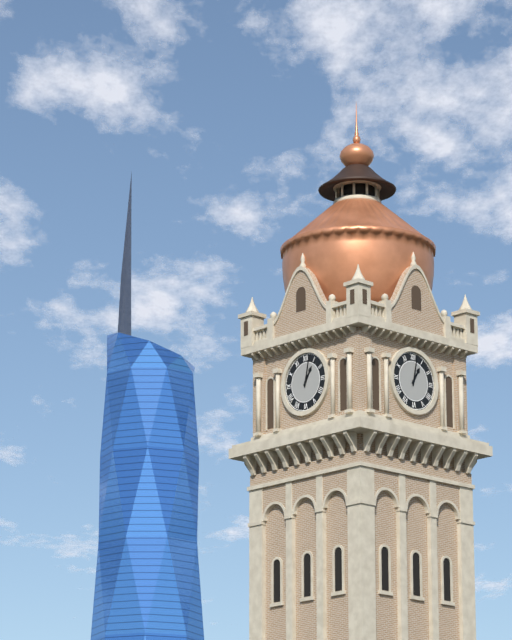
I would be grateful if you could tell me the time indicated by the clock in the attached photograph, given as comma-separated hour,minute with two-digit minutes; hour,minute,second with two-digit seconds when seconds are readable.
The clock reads 1,02
